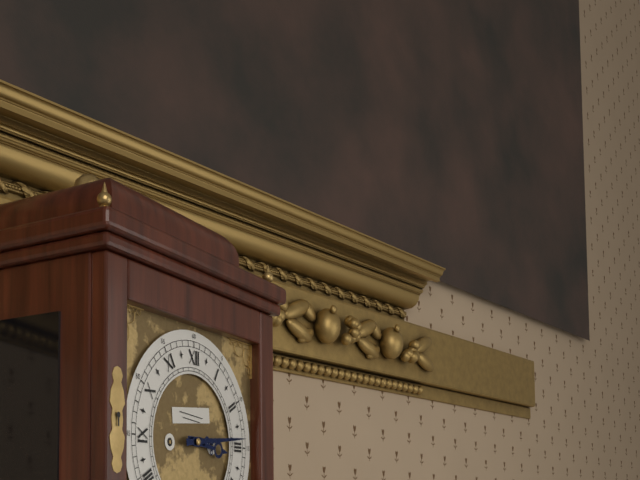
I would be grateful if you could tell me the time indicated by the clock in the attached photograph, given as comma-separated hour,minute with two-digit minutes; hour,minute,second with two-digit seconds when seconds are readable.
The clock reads 3,14
